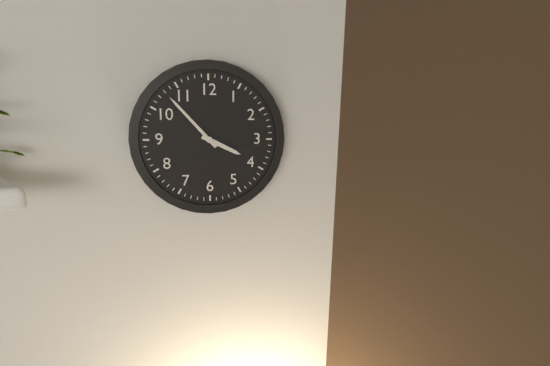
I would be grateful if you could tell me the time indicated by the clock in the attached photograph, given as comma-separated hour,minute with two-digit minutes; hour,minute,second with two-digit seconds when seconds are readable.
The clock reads 3,53
